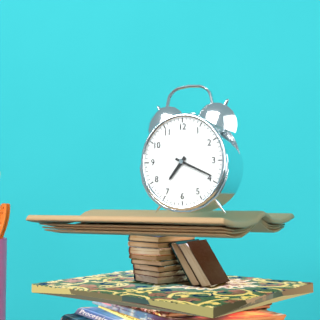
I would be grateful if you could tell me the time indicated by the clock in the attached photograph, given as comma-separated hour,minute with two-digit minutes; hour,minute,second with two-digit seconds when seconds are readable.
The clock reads 7,19
